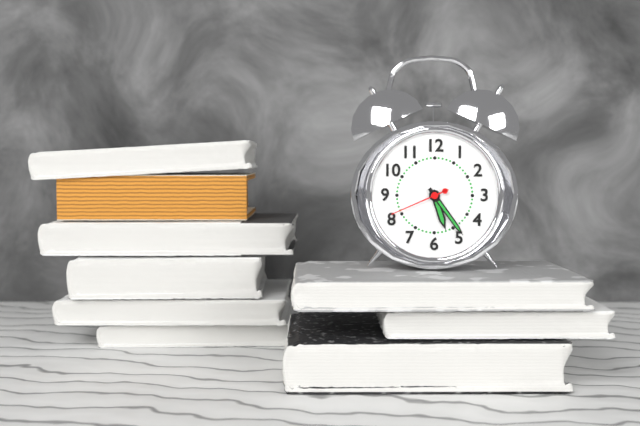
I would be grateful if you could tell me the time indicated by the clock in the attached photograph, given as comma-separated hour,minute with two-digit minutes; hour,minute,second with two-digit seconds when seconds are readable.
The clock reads 5,24,41
